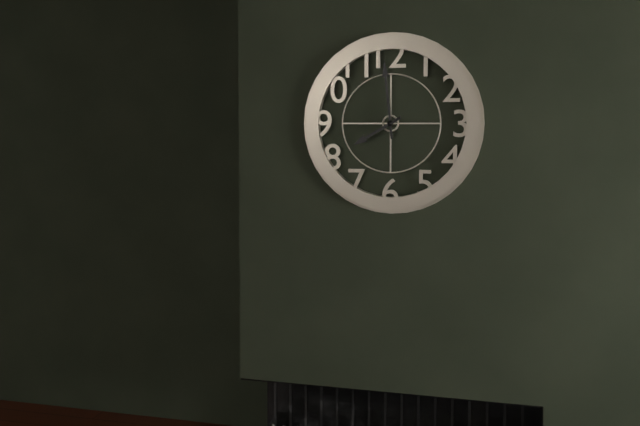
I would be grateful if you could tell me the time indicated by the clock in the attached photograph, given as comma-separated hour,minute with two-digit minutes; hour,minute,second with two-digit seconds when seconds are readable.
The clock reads 7,59
